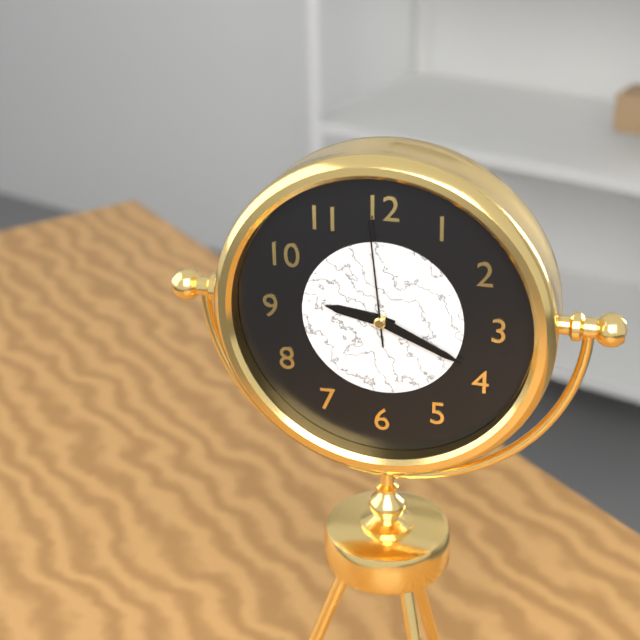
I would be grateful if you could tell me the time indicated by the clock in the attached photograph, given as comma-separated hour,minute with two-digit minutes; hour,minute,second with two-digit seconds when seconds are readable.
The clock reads 9,19,59
